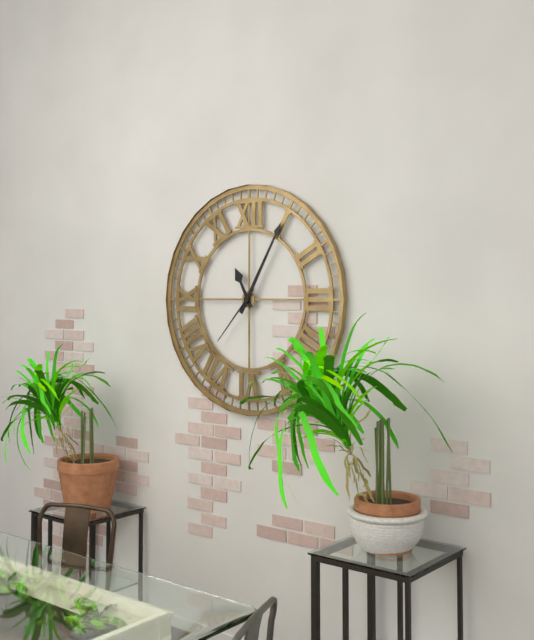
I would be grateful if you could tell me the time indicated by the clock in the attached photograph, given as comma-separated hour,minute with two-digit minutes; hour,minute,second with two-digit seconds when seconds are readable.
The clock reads 11,05,37
